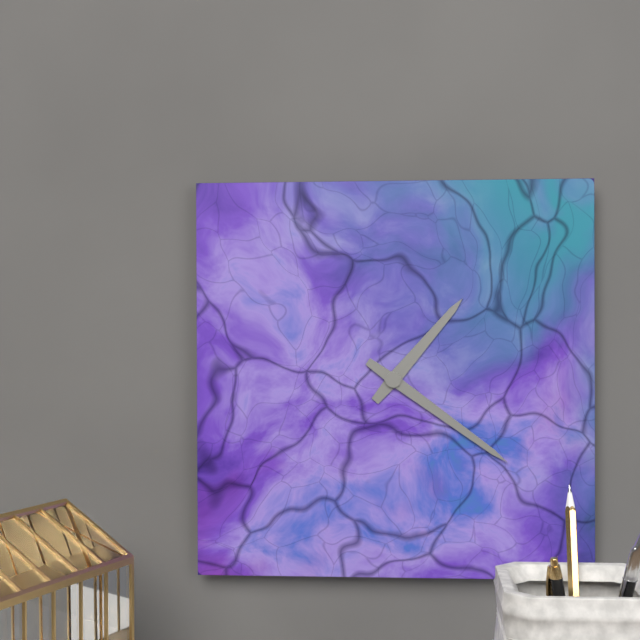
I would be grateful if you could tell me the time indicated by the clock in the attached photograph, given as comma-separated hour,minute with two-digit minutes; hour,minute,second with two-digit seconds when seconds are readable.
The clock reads 1,21
